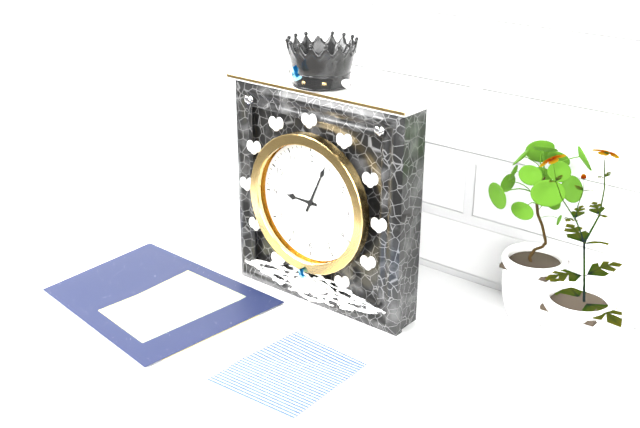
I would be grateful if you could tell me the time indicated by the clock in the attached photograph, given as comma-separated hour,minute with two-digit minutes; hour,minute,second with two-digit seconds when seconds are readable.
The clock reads 9,04
